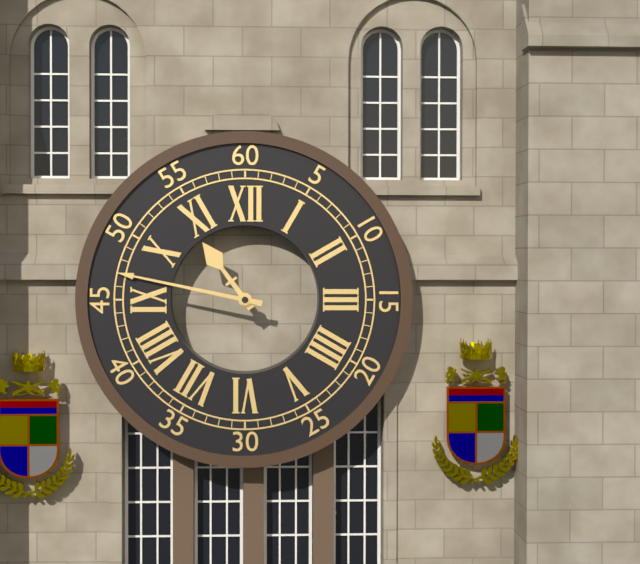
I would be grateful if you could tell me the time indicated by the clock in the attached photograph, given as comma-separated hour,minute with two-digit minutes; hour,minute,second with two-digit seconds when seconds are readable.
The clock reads 10,47
